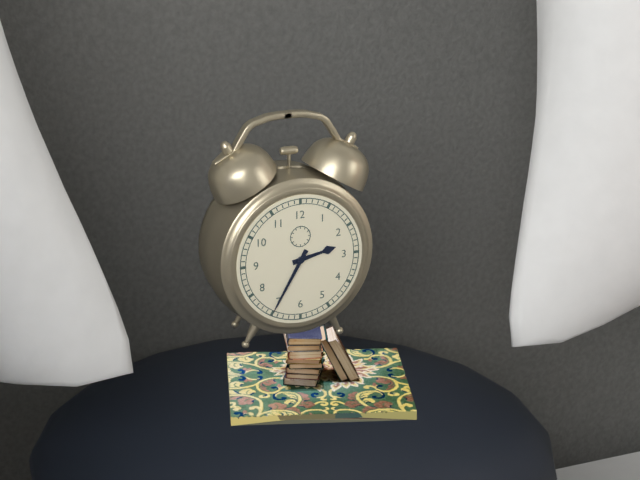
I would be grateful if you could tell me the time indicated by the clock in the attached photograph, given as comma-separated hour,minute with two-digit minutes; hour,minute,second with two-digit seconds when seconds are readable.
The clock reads 2,35
